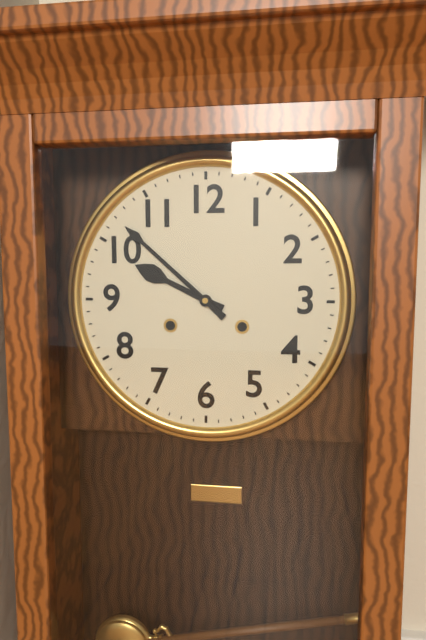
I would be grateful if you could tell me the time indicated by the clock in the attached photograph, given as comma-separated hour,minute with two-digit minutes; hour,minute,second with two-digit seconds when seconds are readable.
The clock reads 9,52
